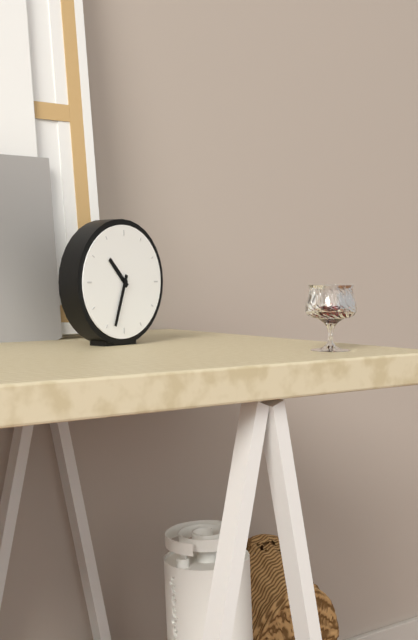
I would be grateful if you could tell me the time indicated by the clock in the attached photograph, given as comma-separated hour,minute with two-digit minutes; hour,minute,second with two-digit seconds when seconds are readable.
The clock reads 10,33
